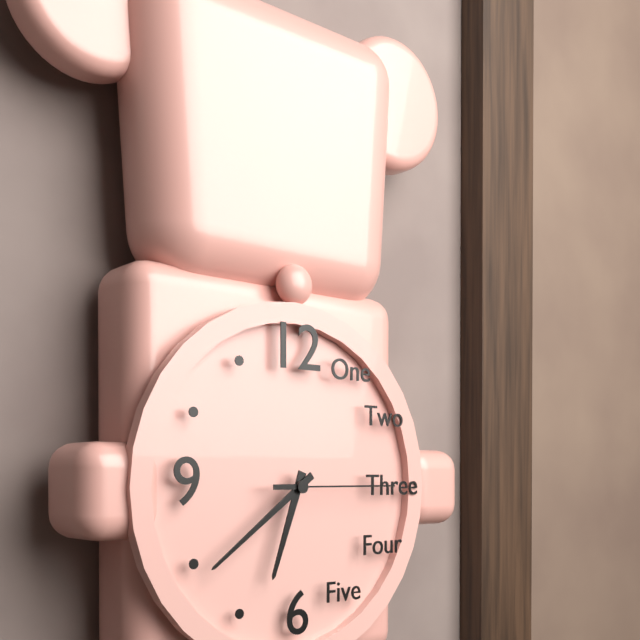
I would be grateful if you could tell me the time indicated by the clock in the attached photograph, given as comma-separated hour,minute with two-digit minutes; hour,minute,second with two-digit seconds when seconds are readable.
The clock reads 6,39,15
